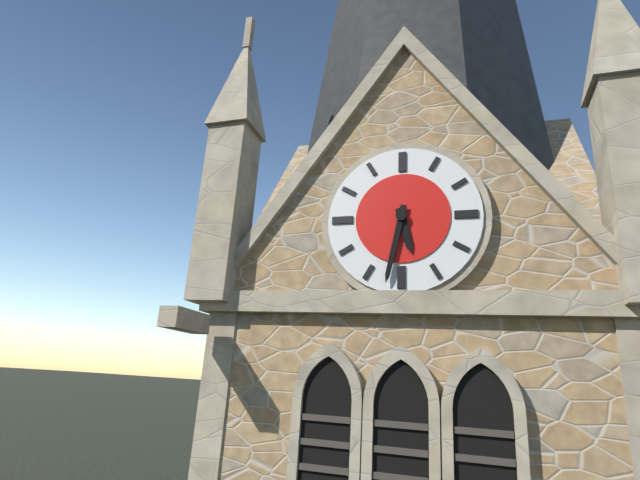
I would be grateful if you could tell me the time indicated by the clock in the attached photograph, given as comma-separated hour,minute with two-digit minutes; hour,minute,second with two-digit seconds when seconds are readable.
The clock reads 5,32
